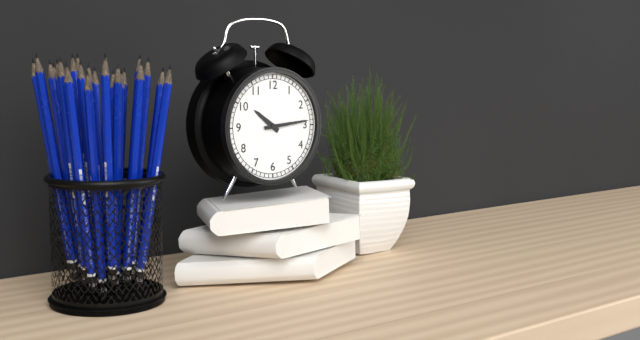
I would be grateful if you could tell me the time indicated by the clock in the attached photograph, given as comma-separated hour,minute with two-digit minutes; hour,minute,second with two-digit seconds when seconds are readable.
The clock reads 10,14
